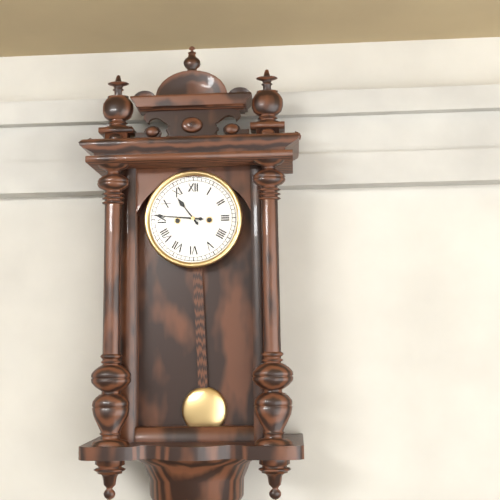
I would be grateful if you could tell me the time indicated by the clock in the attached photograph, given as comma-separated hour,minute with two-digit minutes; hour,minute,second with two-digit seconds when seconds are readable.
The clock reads 10,46
